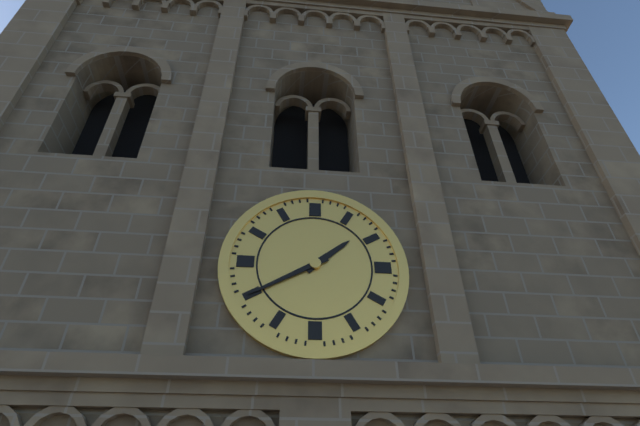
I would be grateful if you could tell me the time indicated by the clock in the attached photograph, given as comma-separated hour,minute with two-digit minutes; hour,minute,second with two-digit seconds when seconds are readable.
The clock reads 1,40
